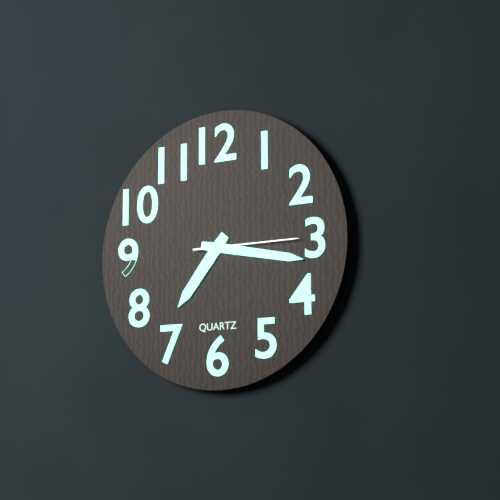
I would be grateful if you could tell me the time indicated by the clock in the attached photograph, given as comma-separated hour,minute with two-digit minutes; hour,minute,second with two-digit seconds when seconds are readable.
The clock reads 7,17,15
